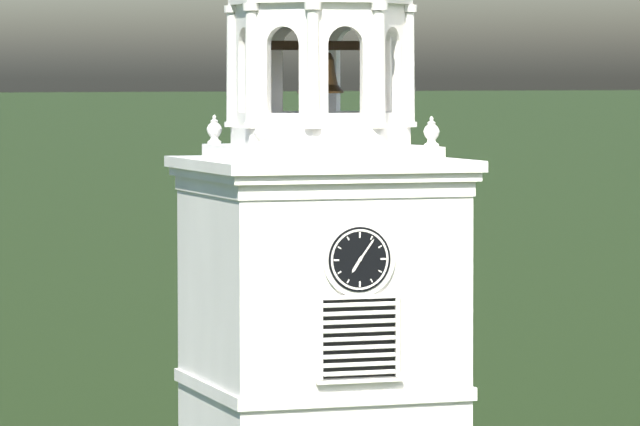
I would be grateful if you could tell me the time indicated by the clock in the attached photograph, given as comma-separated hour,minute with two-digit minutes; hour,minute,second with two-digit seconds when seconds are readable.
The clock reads 7,06
